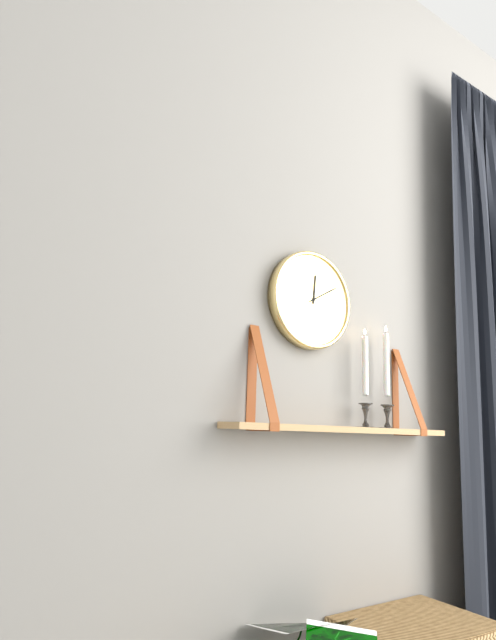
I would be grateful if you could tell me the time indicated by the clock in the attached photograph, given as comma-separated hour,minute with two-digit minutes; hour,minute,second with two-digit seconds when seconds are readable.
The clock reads 12,10
